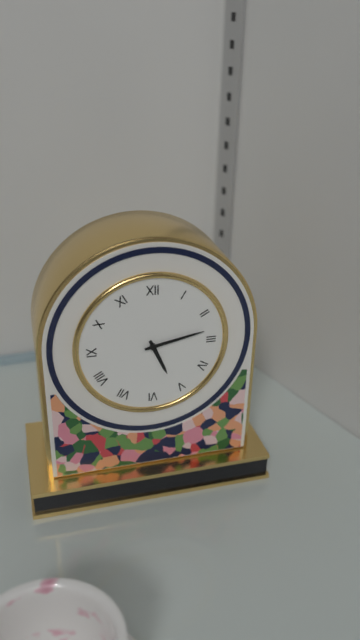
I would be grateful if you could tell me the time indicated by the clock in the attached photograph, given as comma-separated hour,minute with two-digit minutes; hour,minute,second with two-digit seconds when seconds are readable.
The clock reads 5,13
